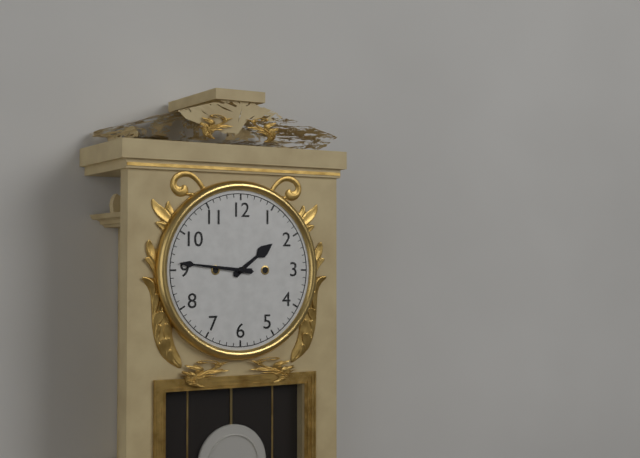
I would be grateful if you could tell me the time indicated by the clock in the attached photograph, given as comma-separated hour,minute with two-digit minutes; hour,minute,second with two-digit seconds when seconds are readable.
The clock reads 1,46
